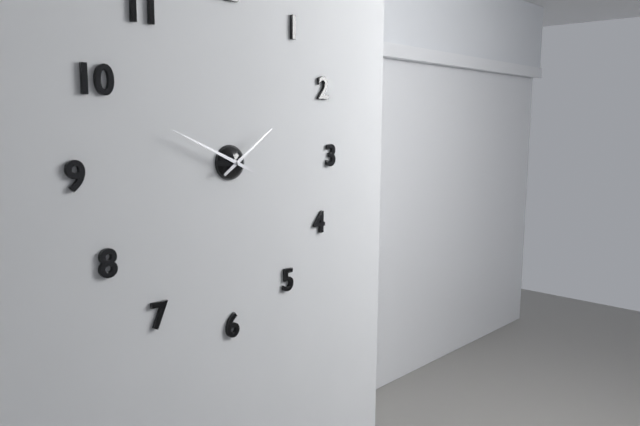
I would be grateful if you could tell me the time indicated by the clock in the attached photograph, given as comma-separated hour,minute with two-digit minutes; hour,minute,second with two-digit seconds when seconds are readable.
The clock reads 1,49
